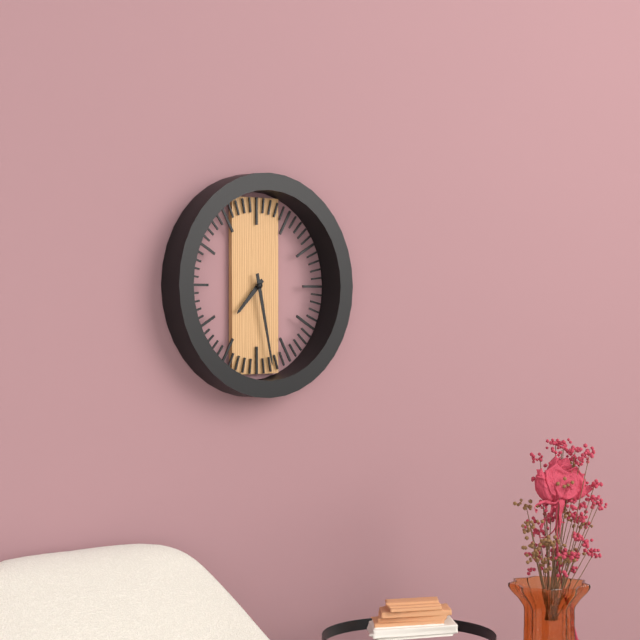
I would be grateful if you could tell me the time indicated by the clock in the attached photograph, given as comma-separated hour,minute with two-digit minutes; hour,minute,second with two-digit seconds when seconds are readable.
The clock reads 7,28
